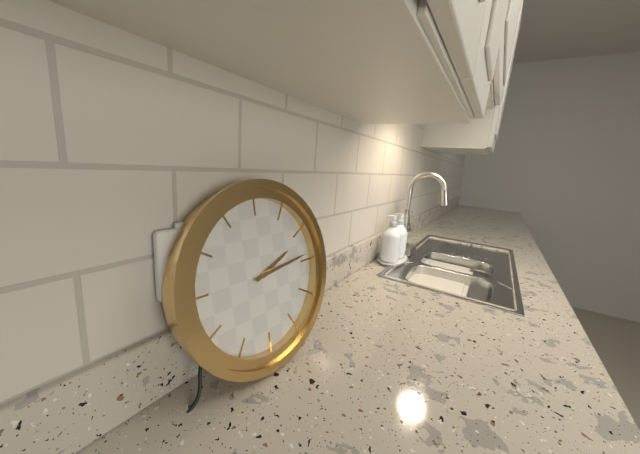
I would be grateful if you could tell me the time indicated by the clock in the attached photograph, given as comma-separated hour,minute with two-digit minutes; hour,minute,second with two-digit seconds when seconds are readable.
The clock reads 2,14
